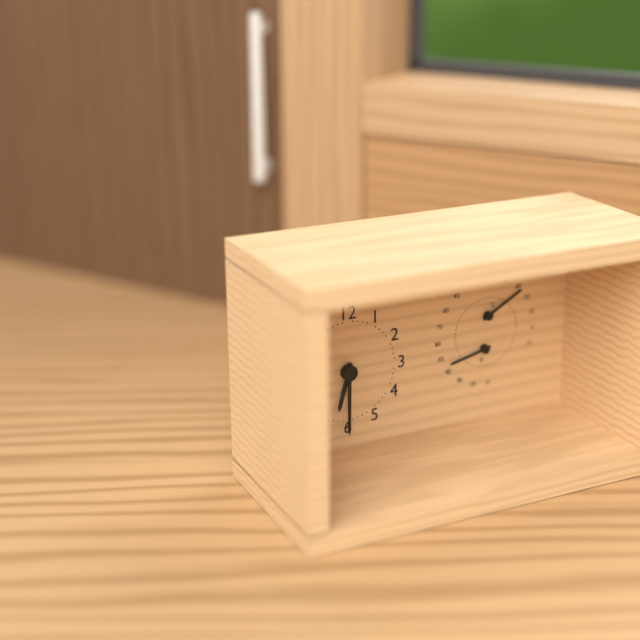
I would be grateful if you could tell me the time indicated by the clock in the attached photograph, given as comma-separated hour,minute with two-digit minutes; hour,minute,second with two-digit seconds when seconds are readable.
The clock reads 6,30
